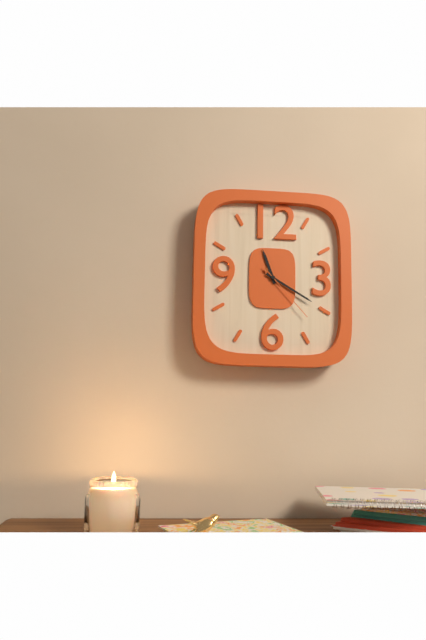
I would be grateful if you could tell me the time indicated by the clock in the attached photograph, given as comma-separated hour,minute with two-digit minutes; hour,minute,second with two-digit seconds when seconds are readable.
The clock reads 11,20,23
